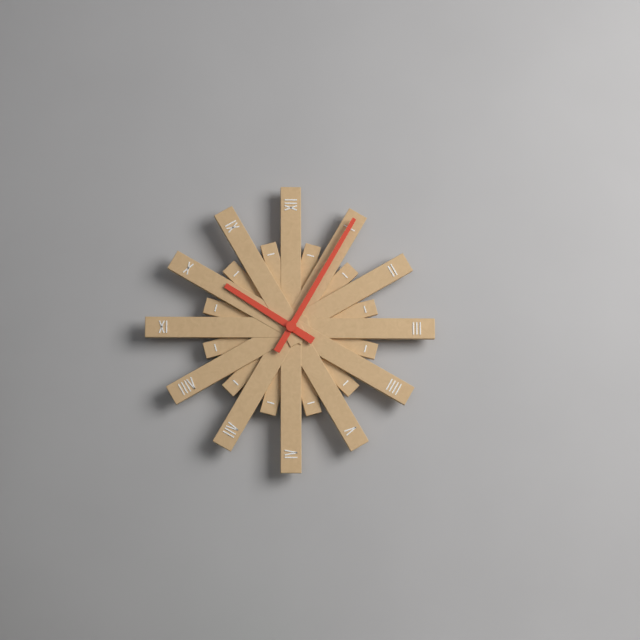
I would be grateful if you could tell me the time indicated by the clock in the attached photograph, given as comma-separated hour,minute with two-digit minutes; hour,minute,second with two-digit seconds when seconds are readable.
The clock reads 10,05
